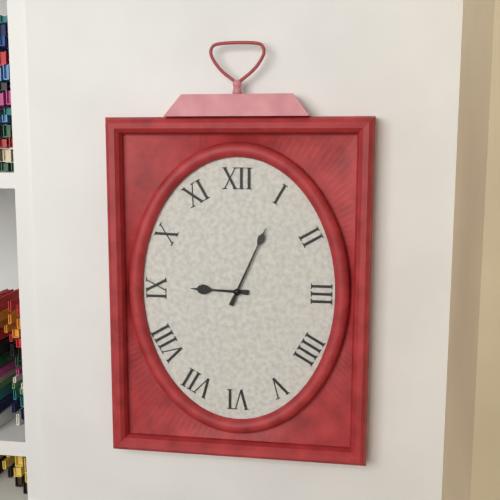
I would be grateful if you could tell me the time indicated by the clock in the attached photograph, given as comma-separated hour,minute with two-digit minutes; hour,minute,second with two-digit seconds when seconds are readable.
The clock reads 9,04
